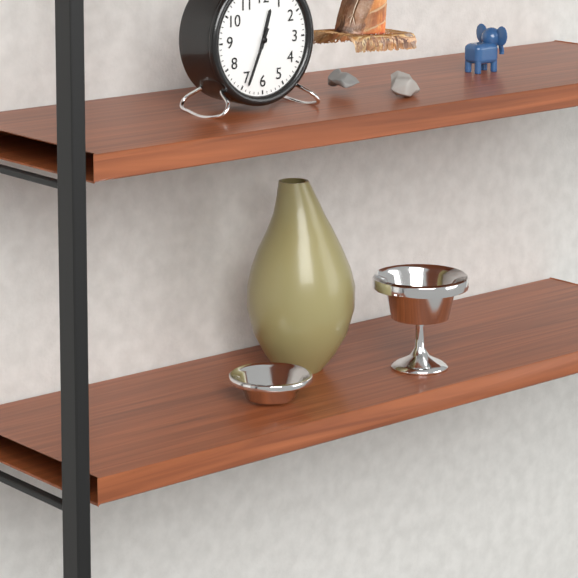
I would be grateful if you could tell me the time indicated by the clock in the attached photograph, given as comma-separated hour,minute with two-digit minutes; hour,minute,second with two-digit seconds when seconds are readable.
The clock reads 12,34
